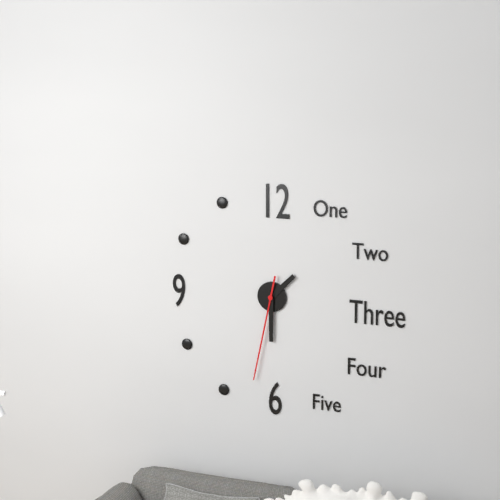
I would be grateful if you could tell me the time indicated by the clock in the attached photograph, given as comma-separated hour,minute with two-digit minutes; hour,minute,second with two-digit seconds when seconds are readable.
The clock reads 1,30,32
